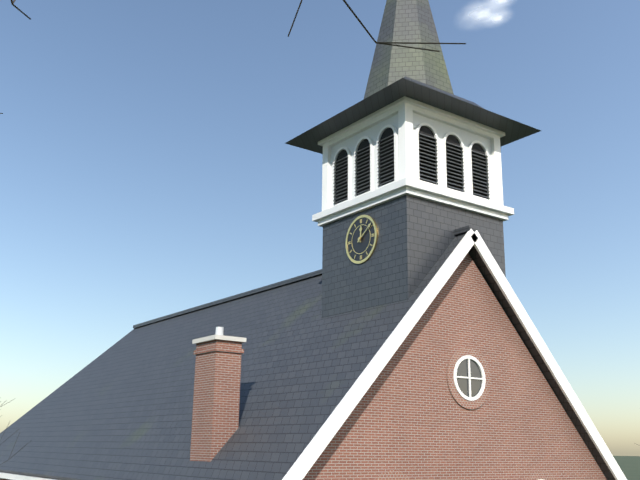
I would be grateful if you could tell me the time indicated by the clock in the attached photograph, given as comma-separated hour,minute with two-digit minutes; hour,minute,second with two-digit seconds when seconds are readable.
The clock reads 12,09
